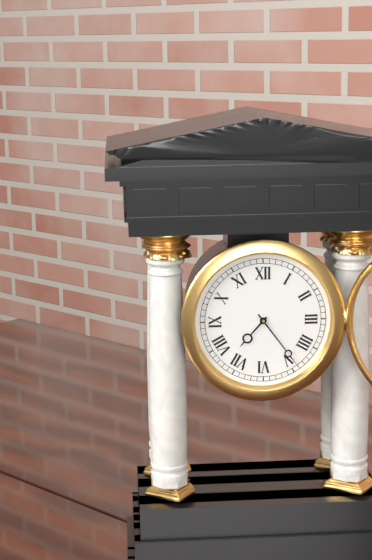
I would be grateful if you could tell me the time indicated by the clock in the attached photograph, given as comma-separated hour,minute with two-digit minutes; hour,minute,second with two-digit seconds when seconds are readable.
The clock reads 7,24
